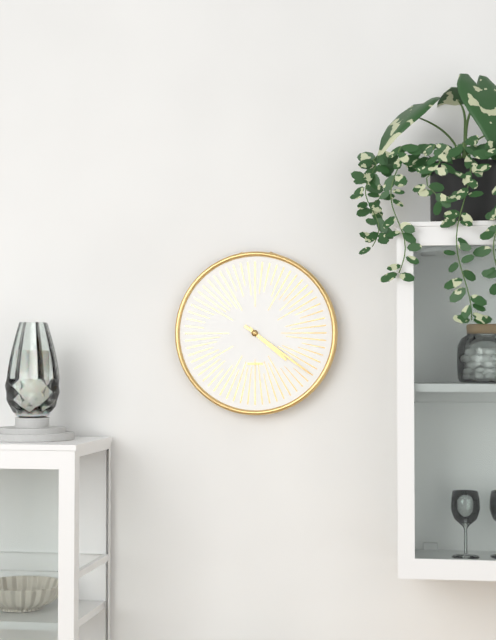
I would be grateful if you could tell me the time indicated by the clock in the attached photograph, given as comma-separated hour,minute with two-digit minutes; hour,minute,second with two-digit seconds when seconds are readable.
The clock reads 4,21
